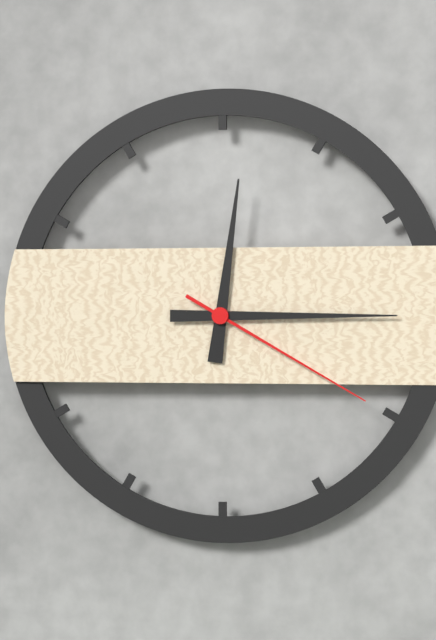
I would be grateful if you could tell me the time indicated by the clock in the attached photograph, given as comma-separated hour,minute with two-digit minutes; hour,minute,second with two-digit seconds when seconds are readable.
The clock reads 12,15,20
